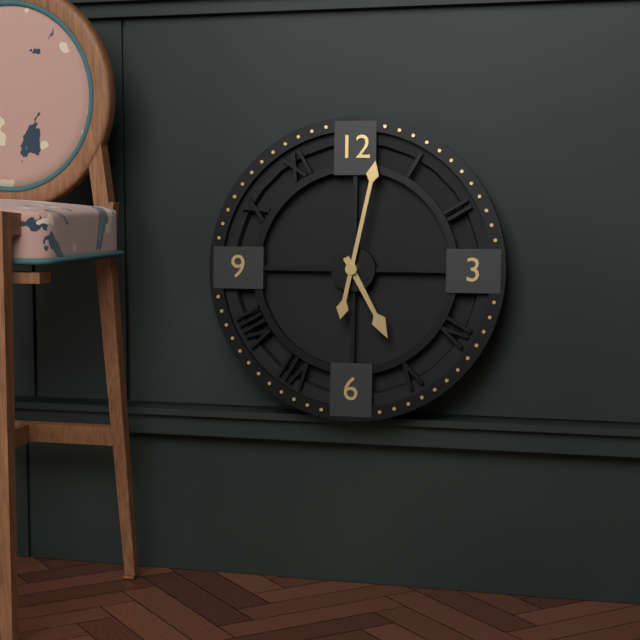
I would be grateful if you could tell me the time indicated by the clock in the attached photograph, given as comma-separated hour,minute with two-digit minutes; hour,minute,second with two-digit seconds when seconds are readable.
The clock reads 5,02
